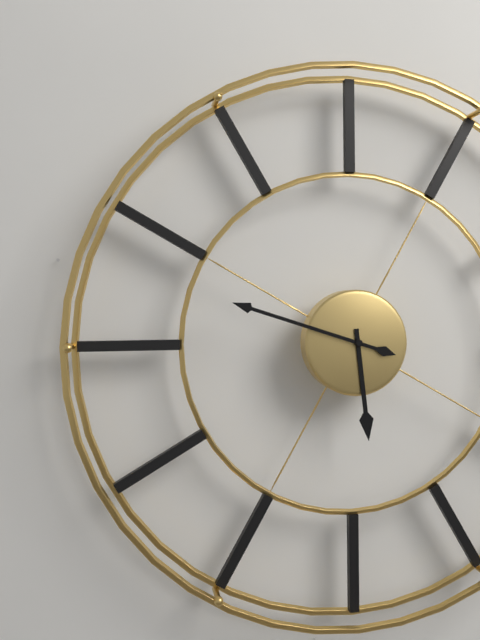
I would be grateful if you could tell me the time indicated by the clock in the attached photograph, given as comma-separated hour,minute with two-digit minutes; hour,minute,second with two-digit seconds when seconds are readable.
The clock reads 5,48
